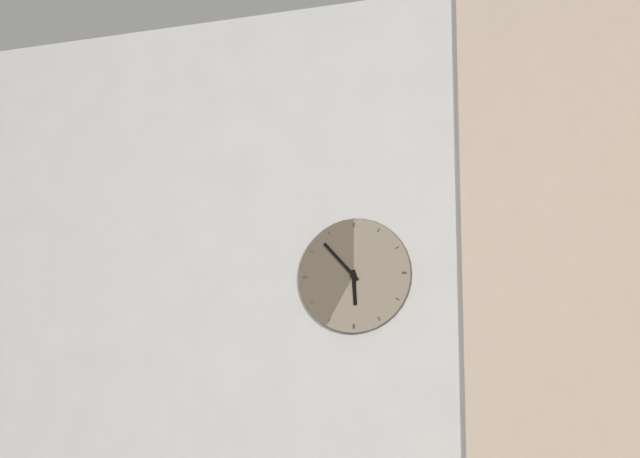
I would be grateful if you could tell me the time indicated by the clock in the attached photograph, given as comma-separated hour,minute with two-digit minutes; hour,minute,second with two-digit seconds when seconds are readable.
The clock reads 5,53
